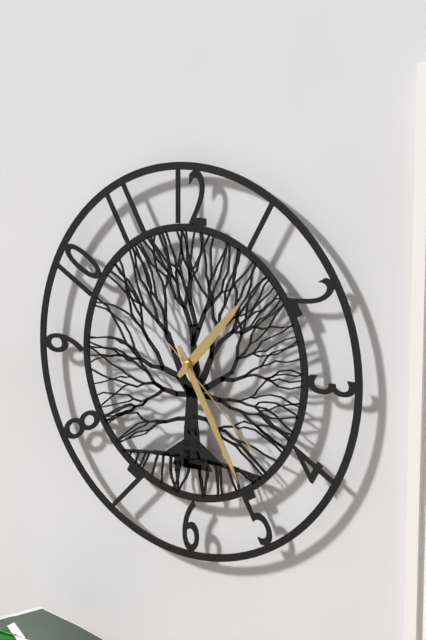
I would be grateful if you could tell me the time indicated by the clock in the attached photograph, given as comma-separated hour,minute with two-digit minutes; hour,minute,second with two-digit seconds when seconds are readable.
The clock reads 1,25,22
